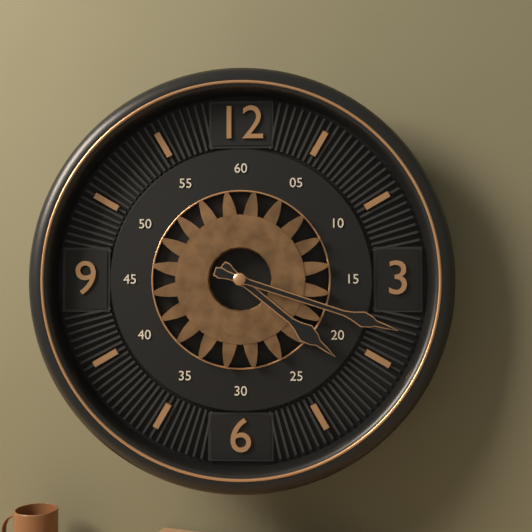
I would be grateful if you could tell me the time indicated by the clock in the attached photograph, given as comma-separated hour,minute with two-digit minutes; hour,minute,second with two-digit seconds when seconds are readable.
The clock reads 4,18
